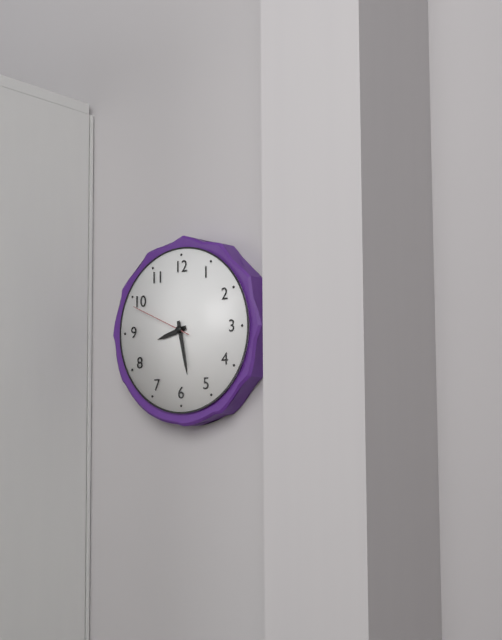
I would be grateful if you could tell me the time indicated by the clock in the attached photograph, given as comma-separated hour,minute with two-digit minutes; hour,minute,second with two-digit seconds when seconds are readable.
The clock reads 8,28,49
